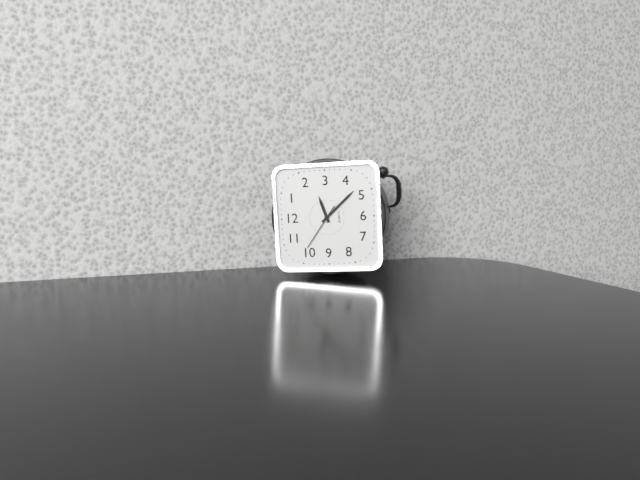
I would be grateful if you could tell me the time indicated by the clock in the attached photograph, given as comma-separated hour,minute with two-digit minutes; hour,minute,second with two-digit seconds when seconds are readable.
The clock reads 2,23
